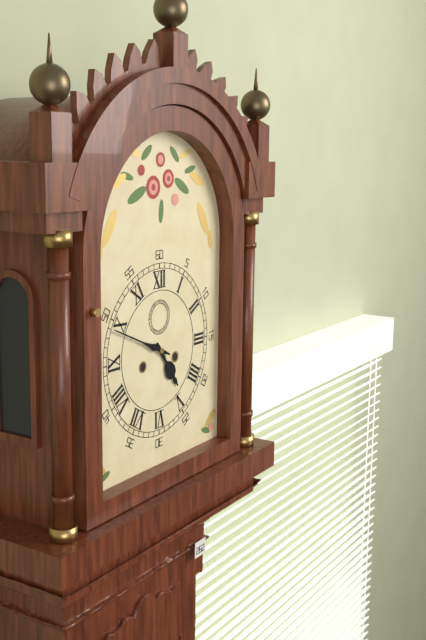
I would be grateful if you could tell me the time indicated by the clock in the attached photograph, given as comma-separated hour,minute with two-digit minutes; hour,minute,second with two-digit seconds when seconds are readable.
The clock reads 4,49
